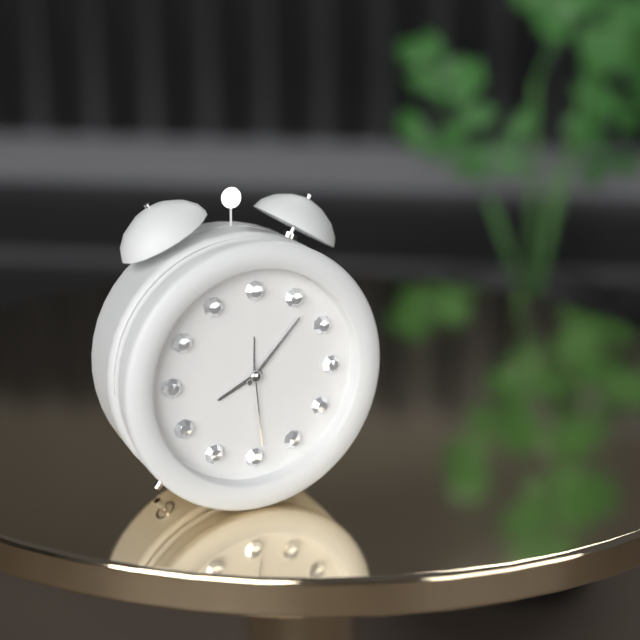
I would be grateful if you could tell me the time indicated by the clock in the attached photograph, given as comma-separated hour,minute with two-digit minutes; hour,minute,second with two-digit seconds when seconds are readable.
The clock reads 8,07,29
